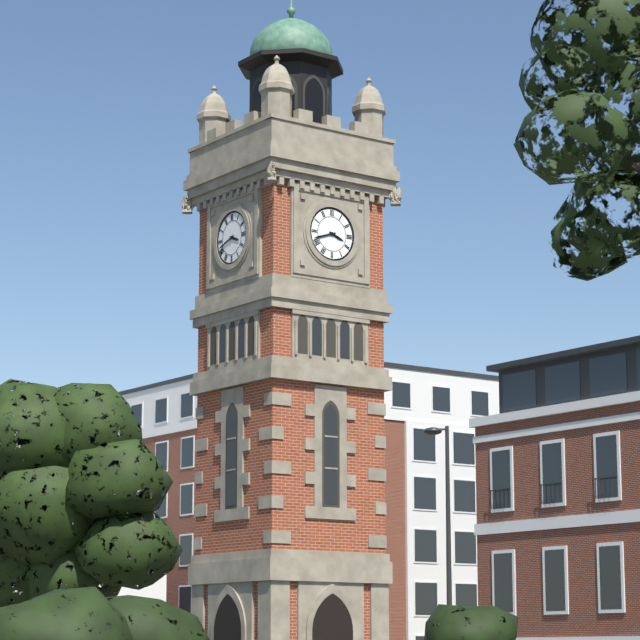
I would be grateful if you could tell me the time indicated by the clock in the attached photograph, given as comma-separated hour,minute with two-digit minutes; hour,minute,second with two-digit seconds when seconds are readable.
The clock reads 3,42
